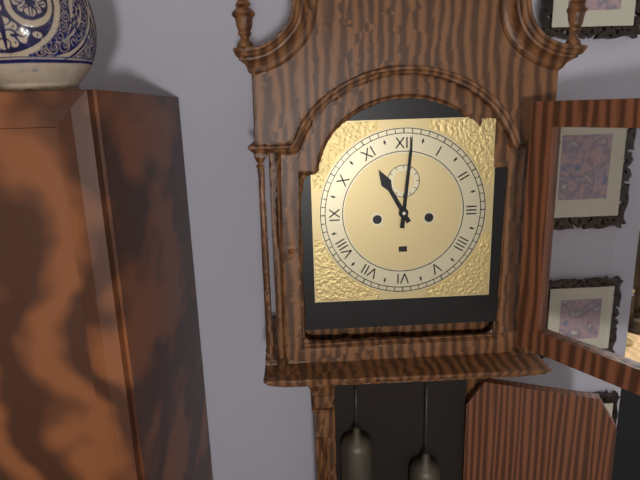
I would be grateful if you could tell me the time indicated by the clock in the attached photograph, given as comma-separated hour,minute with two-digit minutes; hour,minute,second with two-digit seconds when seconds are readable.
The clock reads 11,01
